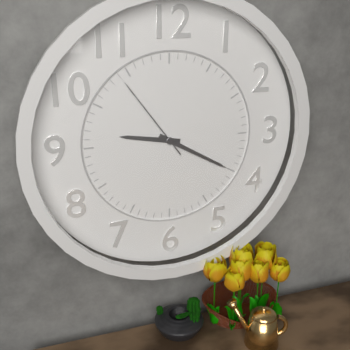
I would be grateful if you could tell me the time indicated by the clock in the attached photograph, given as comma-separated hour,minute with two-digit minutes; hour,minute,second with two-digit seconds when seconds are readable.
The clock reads 9,20,54
